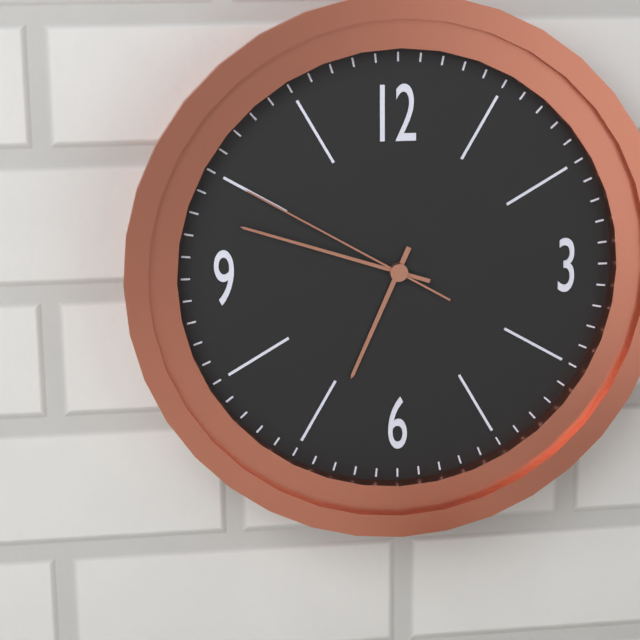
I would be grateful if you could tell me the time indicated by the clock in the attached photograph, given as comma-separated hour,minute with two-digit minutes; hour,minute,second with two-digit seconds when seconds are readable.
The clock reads 6,48,50
